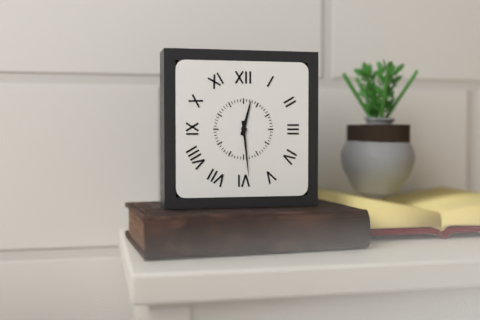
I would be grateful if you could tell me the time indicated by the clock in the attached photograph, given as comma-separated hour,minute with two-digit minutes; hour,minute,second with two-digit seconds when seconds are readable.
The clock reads 12,29
